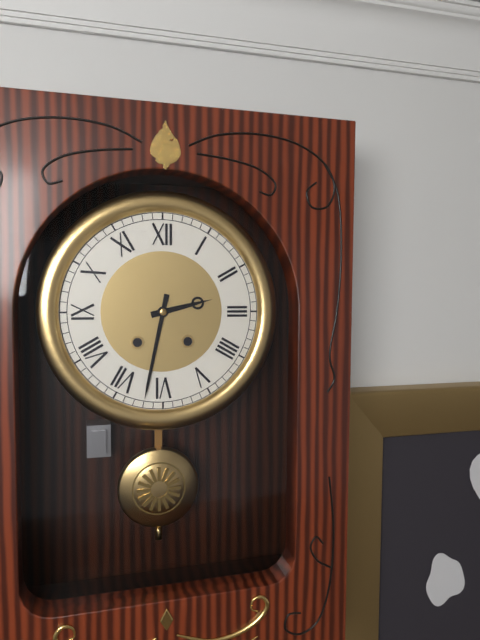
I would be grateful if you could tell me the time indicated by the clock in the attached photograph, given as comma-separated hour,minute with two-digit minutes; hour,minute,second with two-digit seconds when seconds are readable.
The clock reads 2,32
